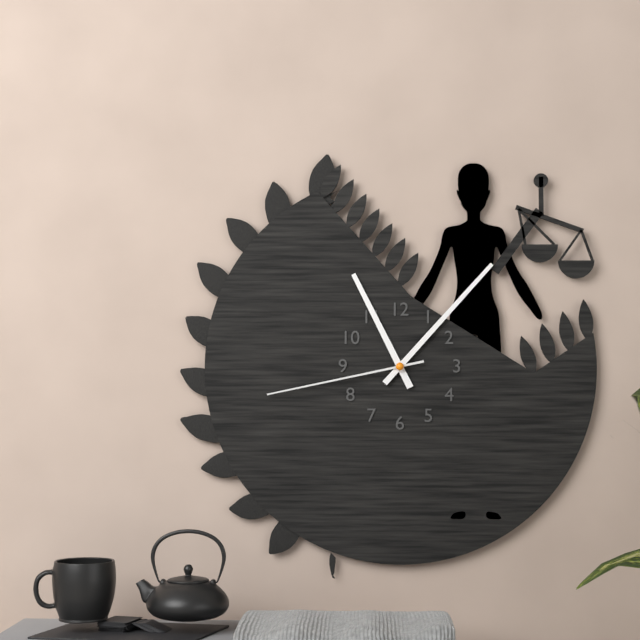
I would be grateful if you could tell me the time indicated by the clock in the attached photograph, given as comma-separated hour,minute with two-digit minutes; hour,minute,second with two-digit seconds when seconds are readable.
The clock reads 11,07,43
